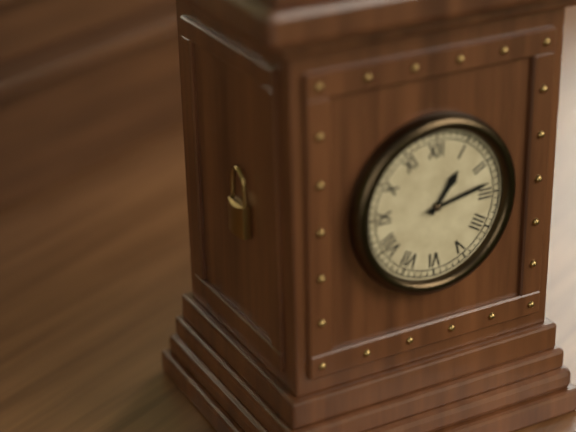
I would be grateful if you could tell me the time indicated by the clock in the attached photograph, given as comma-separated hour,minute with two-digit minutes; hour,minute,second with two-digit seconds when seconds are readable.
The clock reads 1,13
